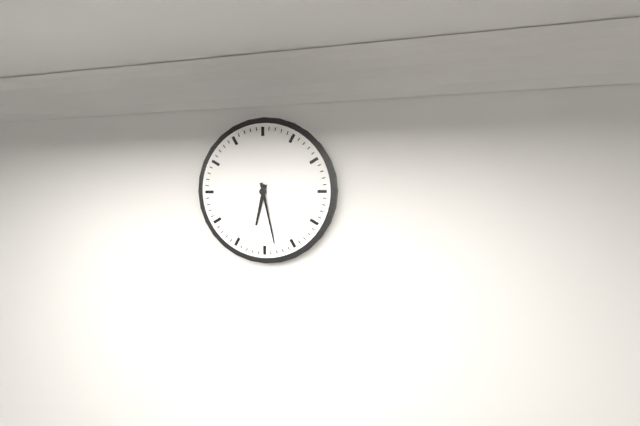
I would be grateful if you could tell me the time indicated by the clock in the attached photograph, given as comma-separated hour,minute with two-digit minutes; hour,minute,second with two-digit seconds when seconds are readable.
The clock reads 6,28
